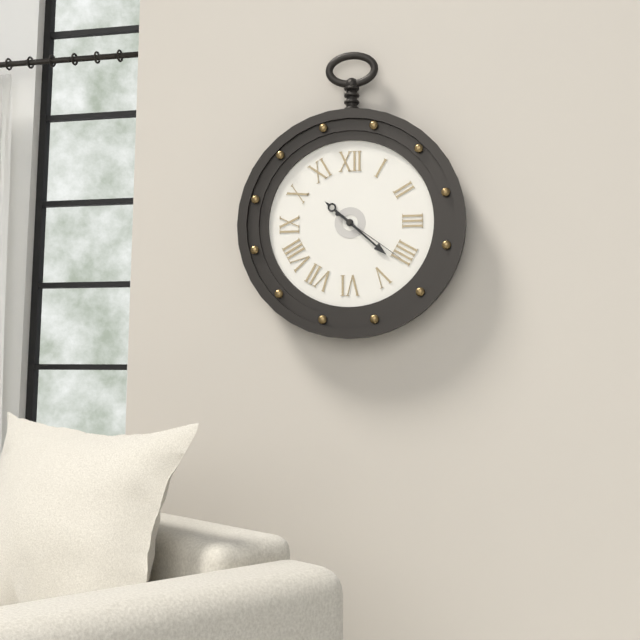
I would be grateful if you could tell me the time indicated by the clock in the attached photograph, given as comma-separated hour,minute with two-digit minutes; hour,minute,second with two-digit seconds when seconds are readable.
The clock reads 10,22,21
